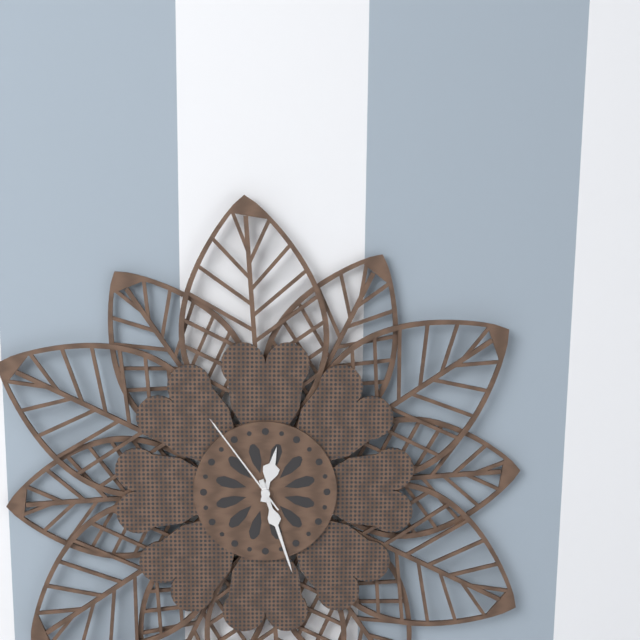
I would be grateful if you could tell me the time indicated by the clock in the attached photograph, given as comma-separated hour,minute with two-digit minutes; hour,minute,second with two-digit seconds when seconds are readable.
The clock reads 12,27,54
